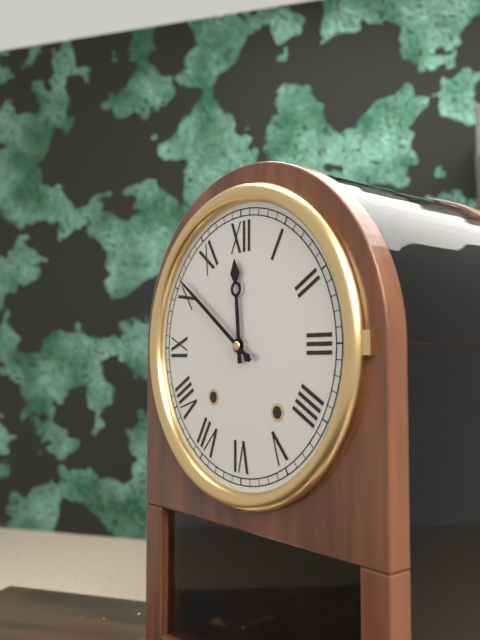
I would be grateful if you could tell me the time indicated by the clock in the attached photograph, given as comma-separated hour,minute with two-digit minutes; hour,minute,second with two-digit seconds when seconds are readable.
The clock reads 11,51
